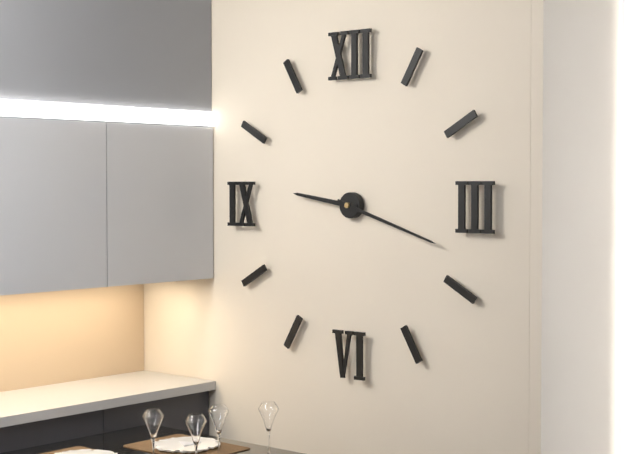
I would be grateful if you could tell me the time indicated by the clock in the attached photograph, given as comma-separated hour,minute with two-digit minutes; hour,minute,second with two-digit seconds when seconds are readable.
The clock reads 9,18
